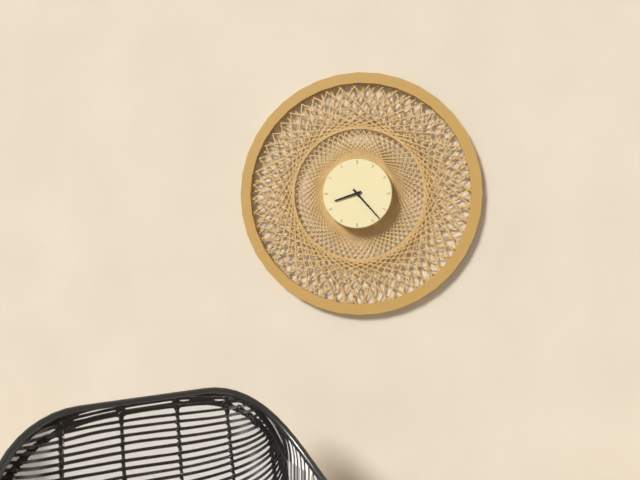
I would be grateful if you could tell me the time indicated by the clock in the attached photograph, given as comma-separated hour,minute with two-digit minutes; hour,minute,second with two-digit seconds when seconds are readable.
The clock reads 8,23
